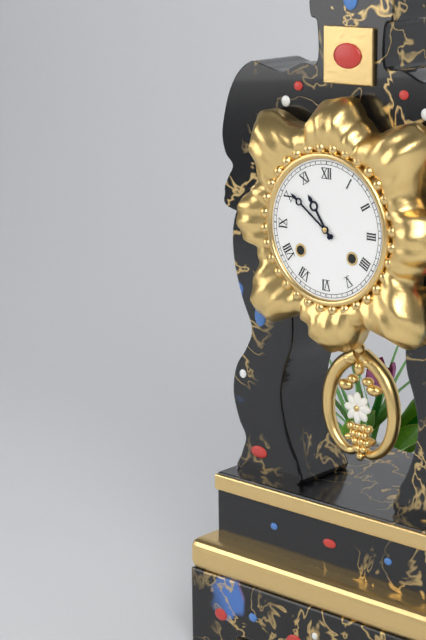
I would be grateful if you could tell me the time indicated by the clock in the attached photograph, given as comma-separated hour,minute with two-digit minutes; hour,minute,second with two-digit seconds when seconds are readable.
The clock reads 10,51
